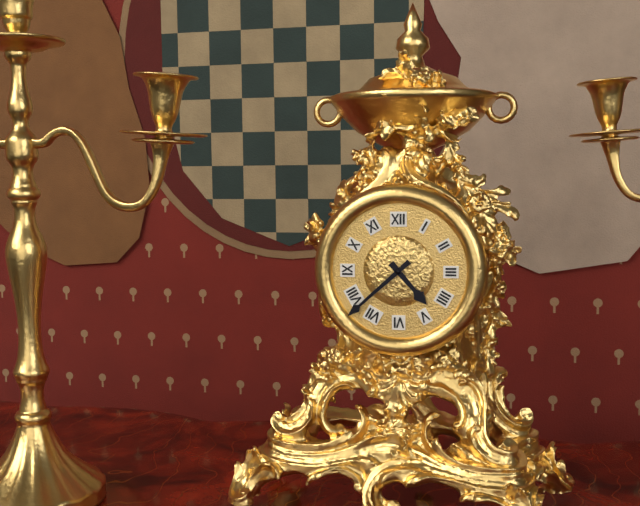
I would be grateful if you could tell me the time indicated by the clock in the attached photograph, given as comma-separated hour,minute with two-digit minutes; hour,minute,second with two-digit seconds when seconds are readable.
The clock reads 4,38
